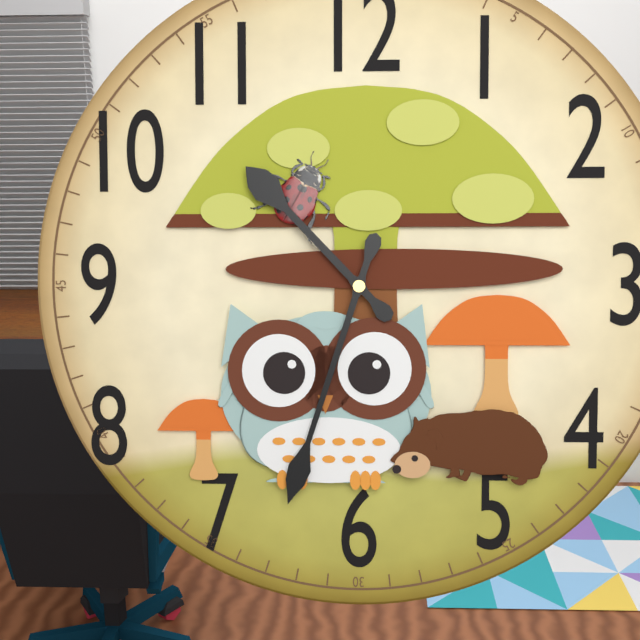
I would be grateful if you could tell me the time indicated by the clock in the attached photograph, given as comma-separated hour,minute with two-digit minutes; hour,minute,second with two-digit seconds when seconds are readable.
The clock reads 10,33
